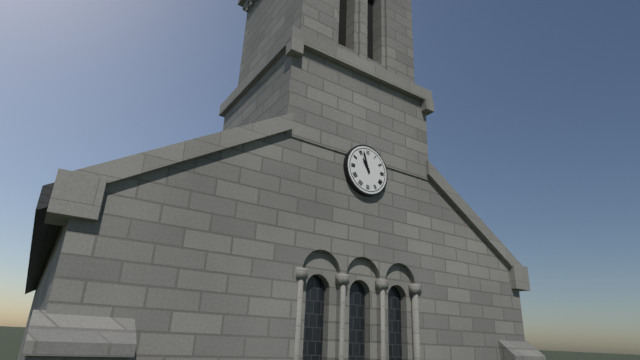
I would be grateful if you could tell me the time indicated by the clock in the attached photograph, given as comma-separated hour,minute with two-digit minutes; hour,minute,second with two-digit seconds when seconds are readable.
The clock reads 10,57
